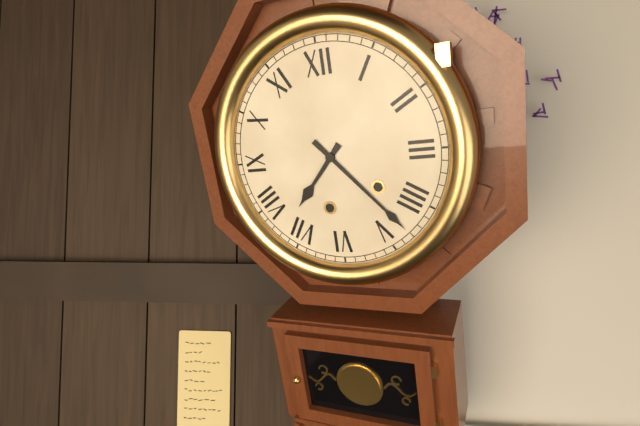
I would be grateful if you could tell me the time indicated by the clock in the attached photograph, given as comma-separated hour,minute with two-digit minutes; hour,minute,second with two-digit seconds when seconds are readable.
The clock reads 7,23
